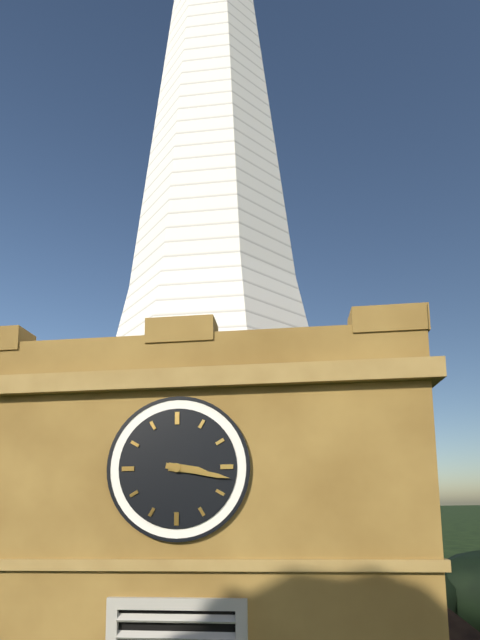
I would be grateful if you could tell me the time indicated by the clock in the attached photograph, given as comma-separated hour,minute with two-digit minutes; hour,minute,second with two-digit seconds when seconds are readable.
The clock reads 3,17
